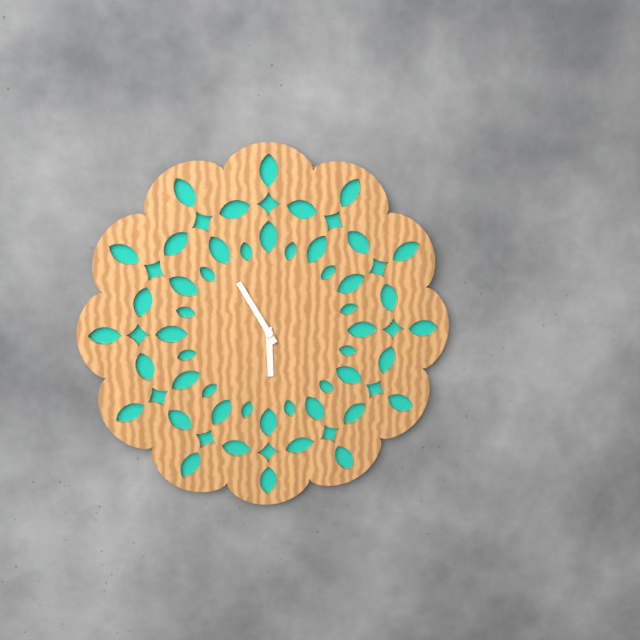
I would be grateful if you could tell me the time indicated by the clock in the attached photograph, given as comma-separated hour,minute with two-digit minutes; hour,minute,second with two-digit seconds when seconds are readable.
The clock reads 5,55
